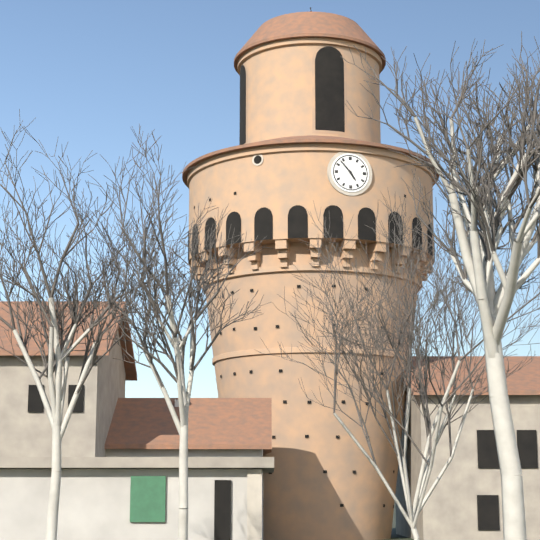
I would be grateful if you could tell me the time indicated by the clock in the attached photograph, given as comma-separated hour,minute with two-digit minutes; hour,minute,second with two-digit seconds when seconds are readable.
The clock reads 4,53
